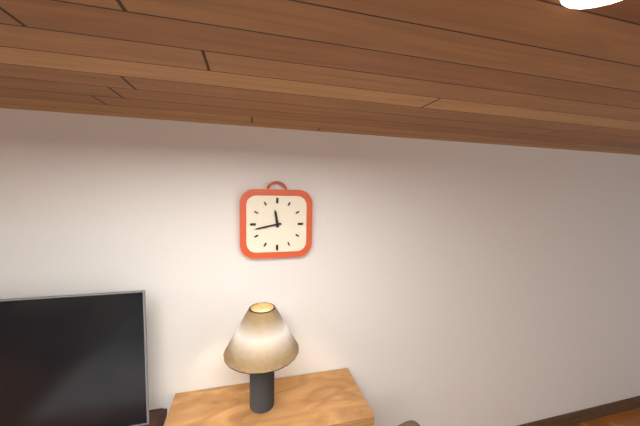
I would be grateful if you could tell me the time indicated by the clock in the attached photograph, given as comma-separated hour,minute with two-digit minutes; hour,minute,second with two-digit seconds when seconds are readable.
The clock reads 11,43
